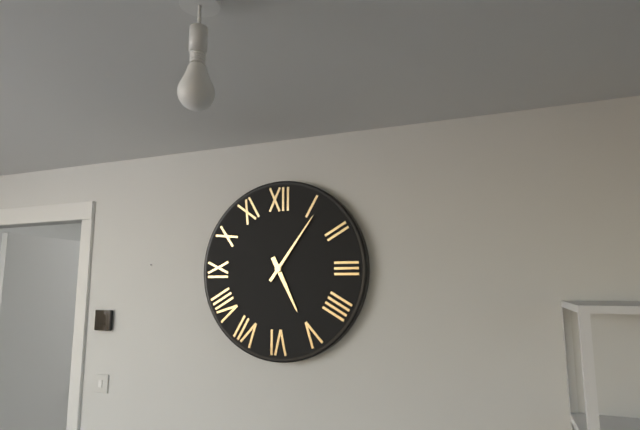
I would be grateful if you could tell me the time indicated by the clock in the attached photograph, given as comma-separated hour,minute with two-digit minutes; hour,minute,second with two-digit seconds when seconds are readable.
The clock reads 5,06
